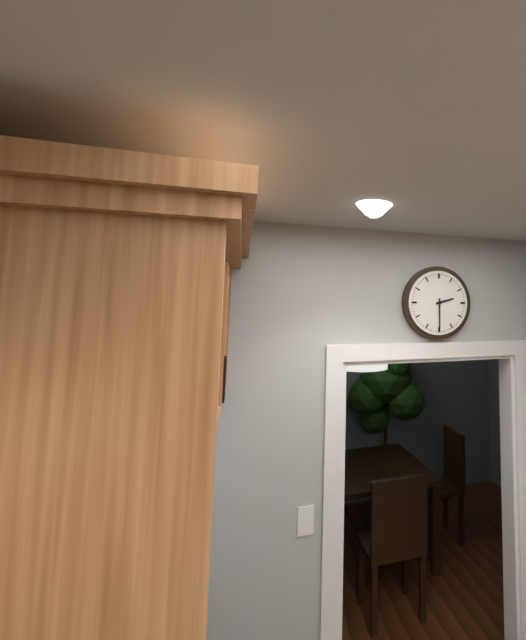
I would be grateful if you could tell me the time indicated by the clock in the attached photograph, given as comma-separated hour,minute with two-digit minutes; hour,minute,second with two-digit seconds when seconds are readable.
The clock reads 2,30
